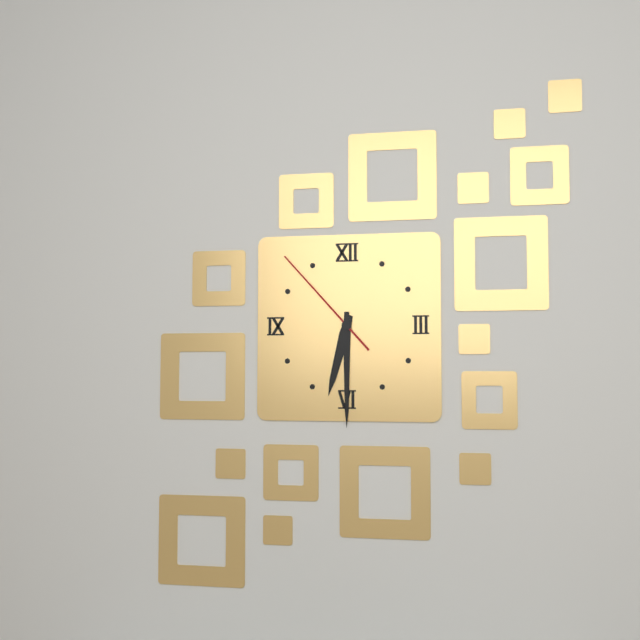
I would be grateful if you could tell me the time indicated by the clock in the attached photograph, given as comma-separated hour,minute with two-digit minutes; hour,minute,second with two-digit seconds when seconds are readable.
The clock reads 6,30,53
